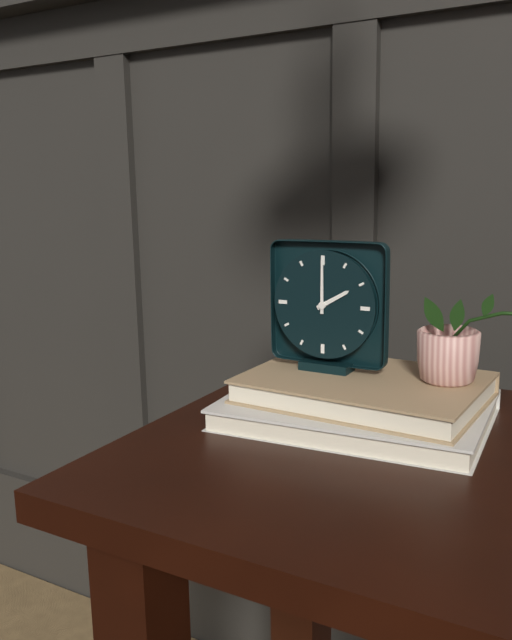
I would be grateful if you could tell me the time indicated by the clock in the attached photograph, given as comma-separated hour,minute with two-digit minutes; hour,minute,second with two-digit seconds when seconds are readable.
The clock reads 2,00
